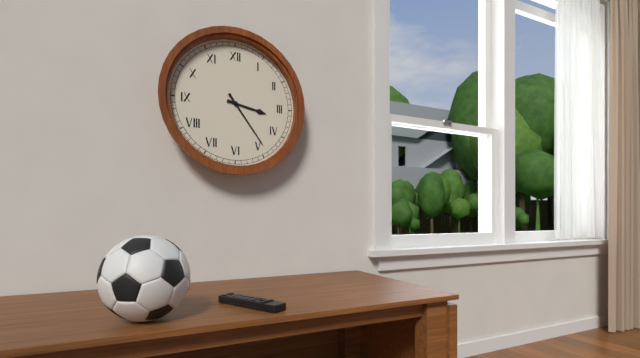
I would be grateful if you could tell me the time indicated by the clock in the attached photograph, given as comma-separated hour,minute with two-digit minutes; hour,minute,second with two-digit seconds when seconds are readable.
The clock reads 3,24
